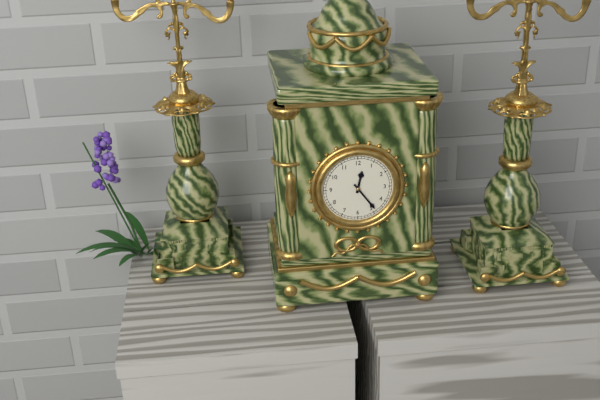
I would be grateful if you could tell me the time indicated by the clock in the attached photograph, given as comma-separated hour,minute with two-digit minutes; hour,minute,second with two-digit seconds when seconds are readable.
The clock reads 12,24
